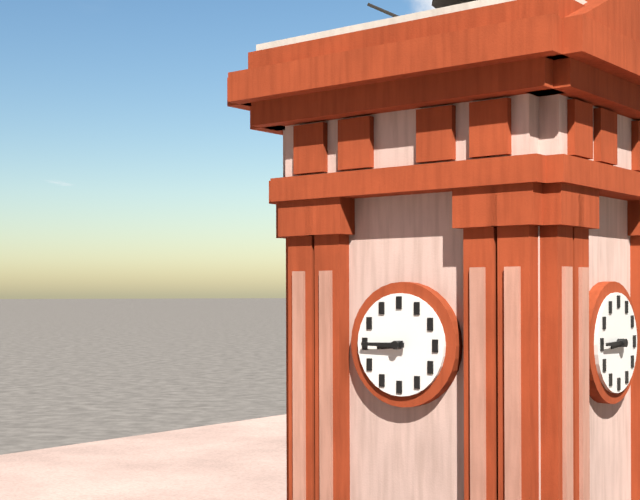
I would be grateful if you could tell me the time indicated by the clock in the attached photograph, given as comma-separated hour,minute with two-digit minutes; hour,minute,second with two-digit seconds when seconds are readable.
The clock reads 8,45
